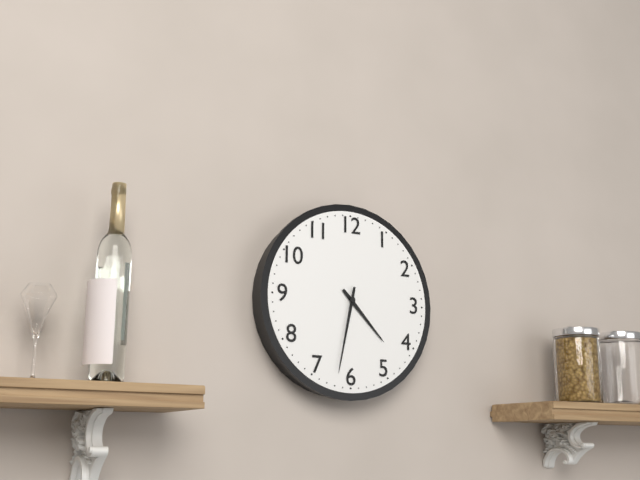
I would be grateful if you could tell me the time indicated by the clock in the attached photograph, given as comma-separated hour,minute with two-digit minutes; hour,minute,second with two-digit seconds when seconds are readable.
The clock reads 4,32
